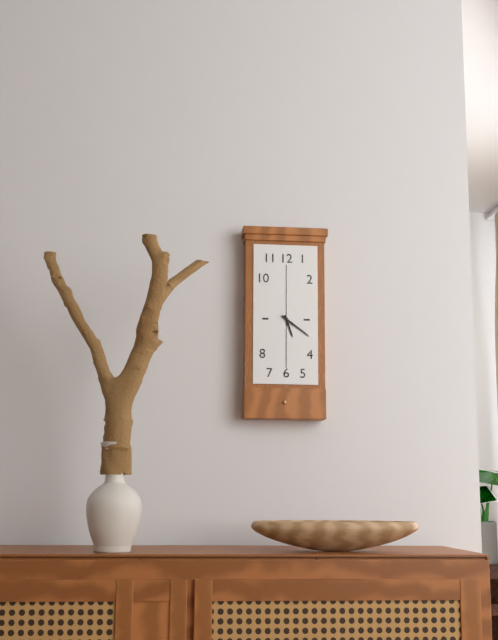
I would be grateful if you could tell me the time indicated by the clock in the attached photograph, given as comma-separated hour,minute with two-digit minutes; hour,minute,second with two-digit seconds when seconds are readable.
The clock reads 5,21
